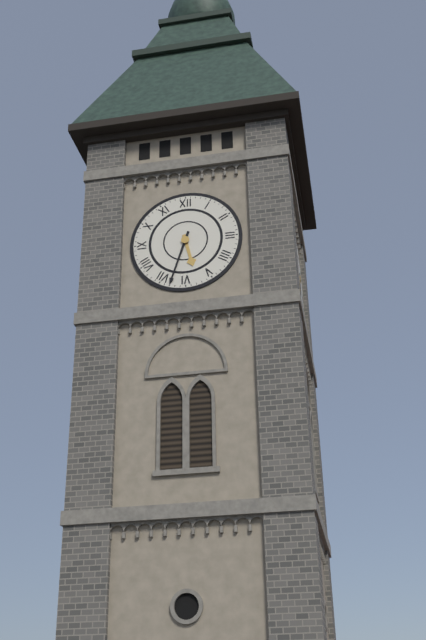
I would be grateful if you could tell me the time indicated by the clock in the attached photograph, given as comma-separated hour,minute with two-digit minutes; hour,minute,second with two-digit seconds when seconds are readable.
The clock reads 5,33
